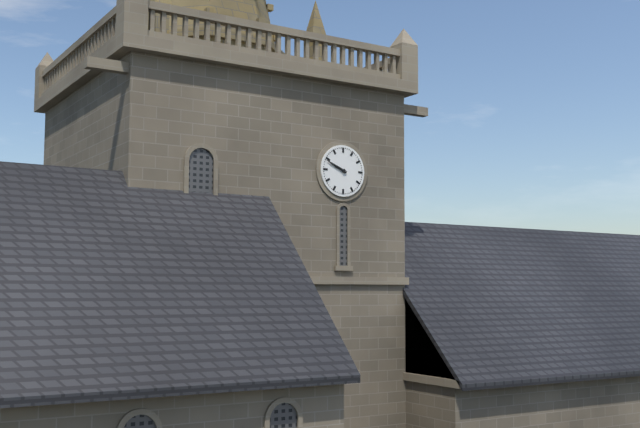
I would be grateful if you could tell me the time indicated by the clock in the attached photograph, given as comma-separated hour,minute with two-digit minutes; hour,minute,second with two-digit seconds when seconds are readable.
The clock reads 9,49
